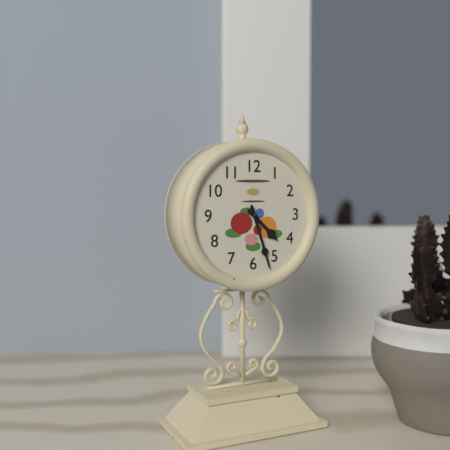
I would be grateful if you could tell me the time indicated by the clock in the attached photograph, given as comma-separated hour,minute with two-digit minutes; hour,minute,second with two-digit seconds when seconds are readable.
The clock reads 4,27
